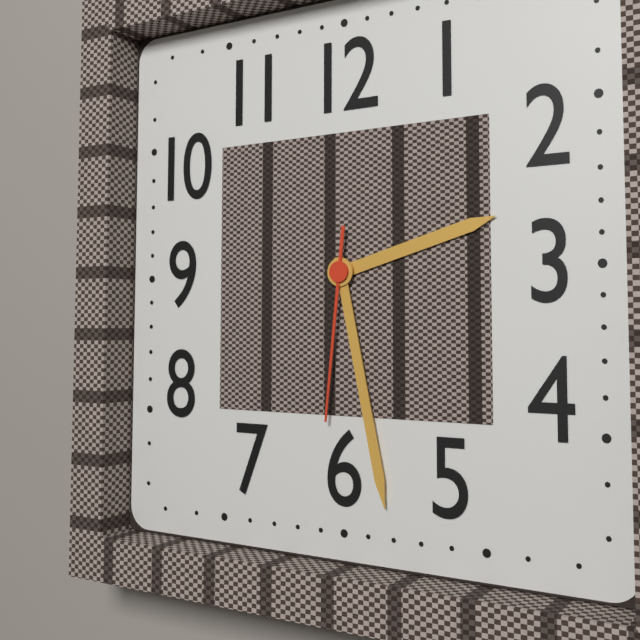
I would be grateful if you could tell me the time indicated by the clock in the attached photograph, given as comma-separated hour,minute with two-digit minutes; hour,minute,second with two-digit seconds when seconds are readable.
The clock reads 2,28,31
